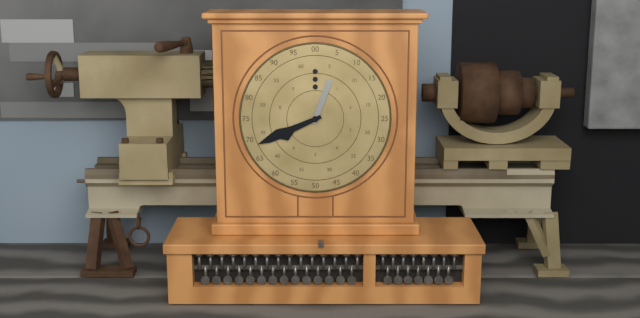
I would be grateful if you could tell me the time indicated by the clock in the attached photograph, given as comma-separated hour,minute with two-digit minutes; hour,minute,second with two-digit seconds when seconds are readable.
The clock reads 12,41
